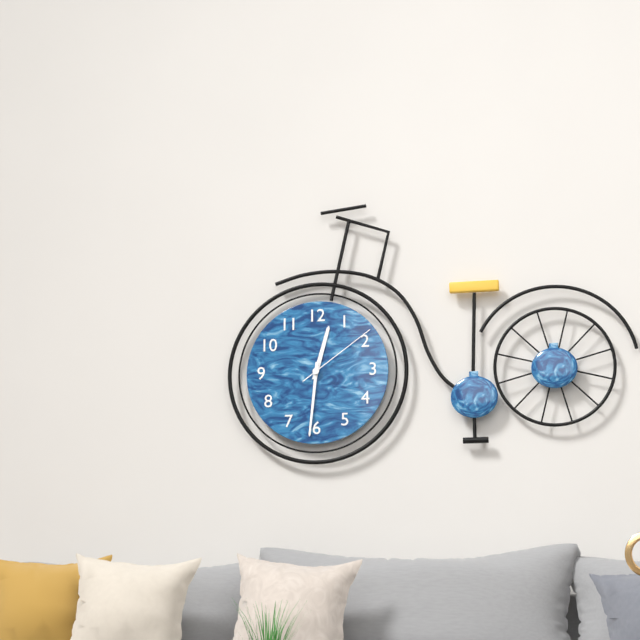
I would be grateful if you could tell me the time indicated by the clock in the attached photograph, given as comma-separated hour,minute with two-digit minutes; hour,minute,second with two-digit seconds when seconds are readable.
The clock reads 12,31,09
